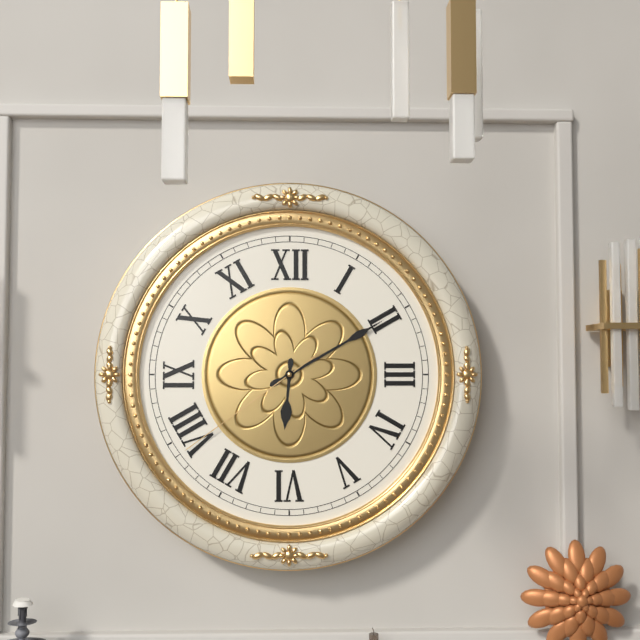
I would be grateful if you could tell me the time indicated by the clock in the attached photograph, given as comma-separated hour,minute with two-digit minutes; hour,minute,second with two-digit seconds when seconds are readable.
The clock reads 6,10,39
